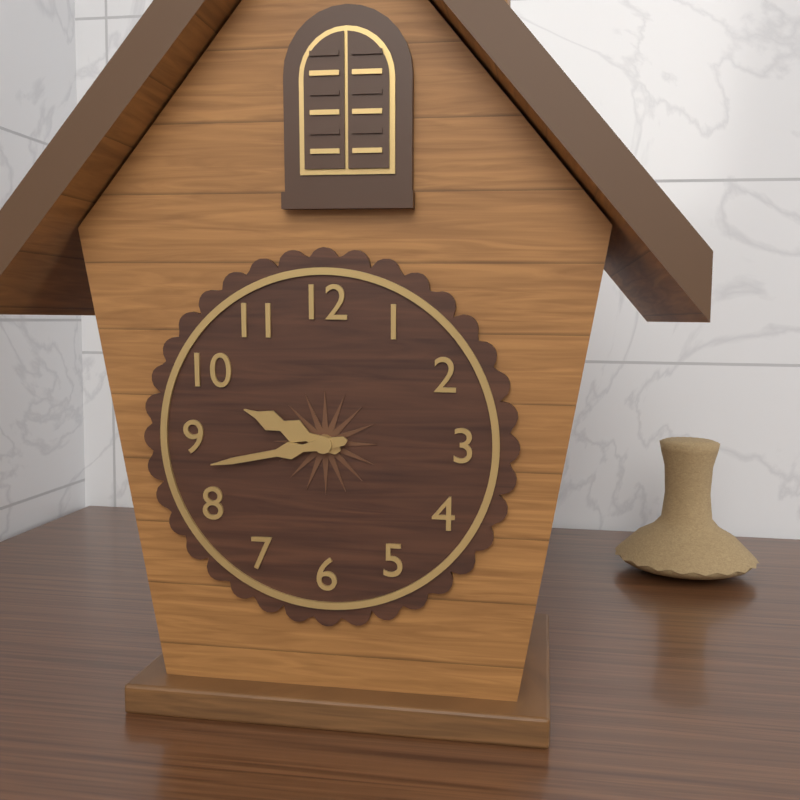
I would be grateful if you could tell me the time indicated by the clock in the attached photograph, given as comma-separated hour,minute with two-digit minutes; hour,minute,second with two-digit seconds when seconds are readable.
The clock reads 9,43
